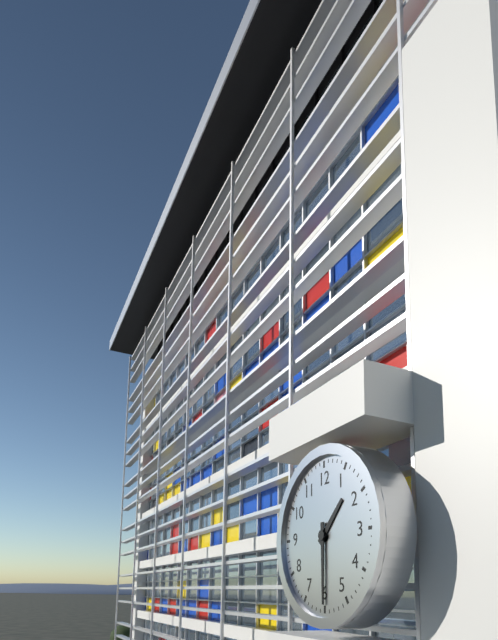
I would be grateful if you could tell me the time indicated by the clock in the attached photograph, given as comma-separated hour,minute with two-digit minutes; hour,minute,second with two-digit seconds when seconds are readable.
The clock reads 1,30
